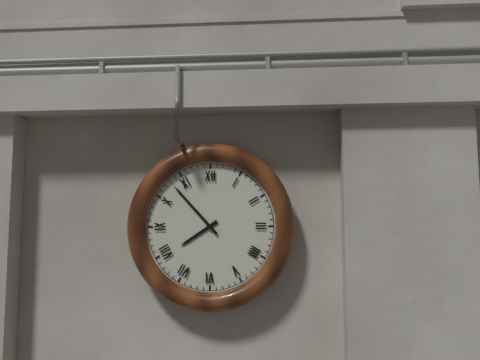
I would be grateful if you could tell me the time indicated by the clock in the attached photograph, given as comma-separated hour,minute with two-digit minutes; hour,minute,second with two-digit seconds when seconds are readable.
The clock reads 7,53
